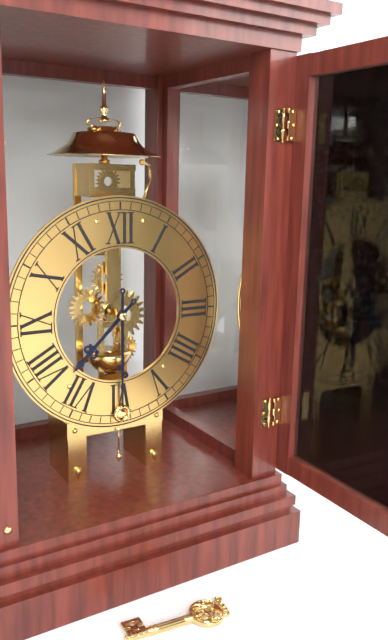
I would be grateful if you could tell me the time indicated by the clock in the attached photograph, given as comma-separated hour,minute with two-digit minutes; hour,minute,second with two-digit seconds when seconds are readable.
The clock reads 7,30
